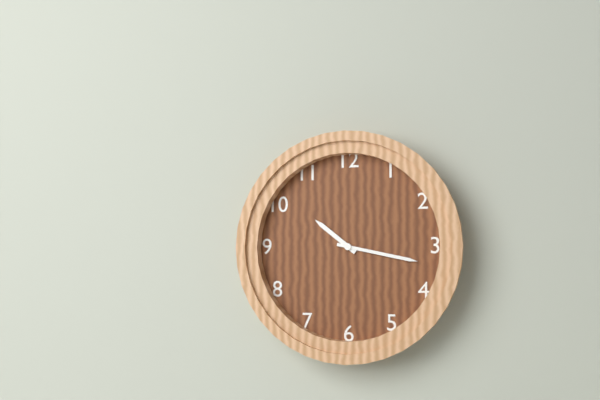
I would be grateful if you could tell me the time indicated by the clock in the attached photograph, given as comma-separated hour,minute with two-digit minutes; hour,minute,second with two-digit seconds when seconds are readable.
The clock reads 10,17
